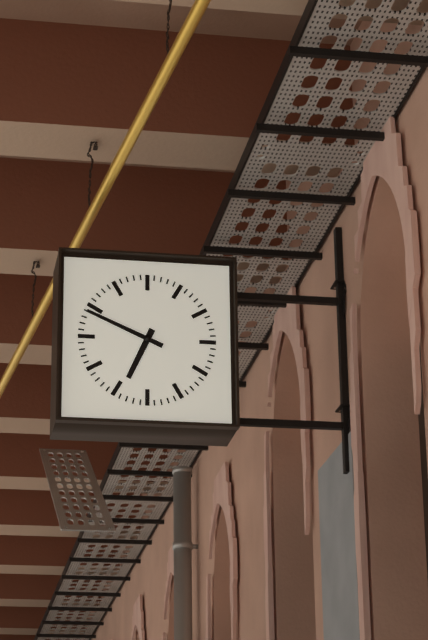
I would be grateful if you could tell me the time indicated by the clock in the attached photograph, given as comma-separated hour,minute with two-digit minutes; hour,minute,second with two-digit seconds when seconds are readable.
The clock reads 6,49
